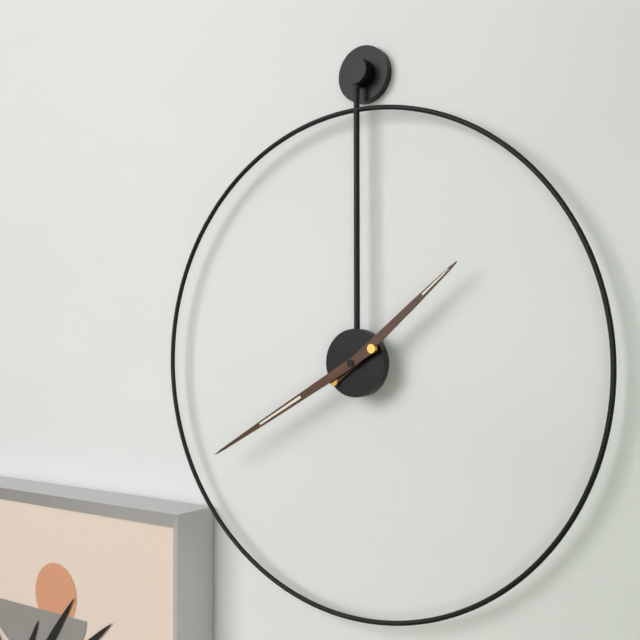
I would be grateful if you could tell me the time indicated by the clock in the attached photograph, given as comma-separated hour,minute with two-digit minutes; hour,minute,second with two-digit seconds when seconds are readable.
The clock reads 1,40
